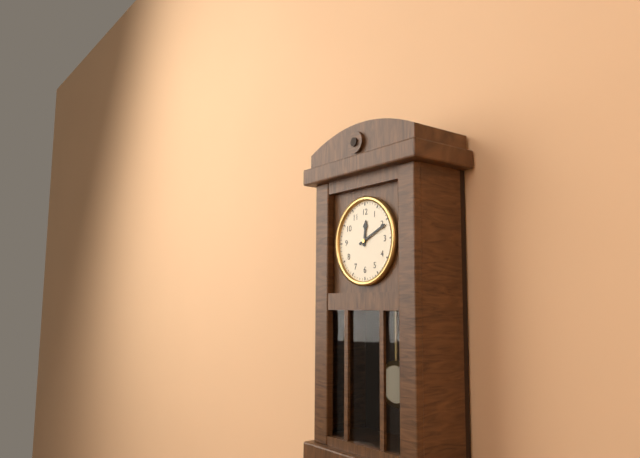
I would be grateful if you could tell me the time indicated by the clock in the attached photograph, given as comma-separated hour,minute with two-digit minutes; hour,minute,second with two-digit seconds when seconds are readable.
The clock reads 12,11
